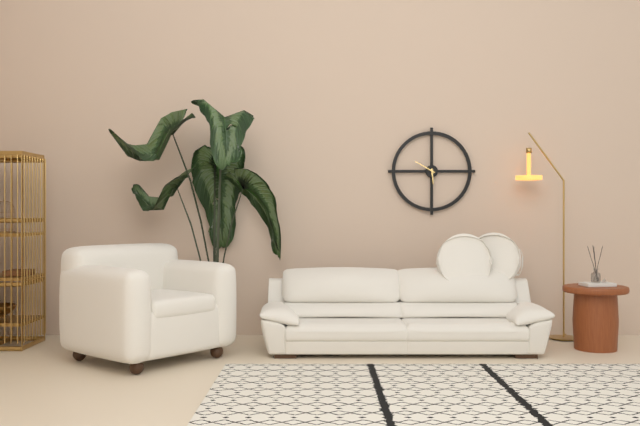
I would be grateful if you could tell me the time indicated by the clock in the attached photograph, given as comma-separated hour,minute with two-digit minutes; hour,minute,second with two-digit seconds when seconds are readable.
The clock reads 5,50
